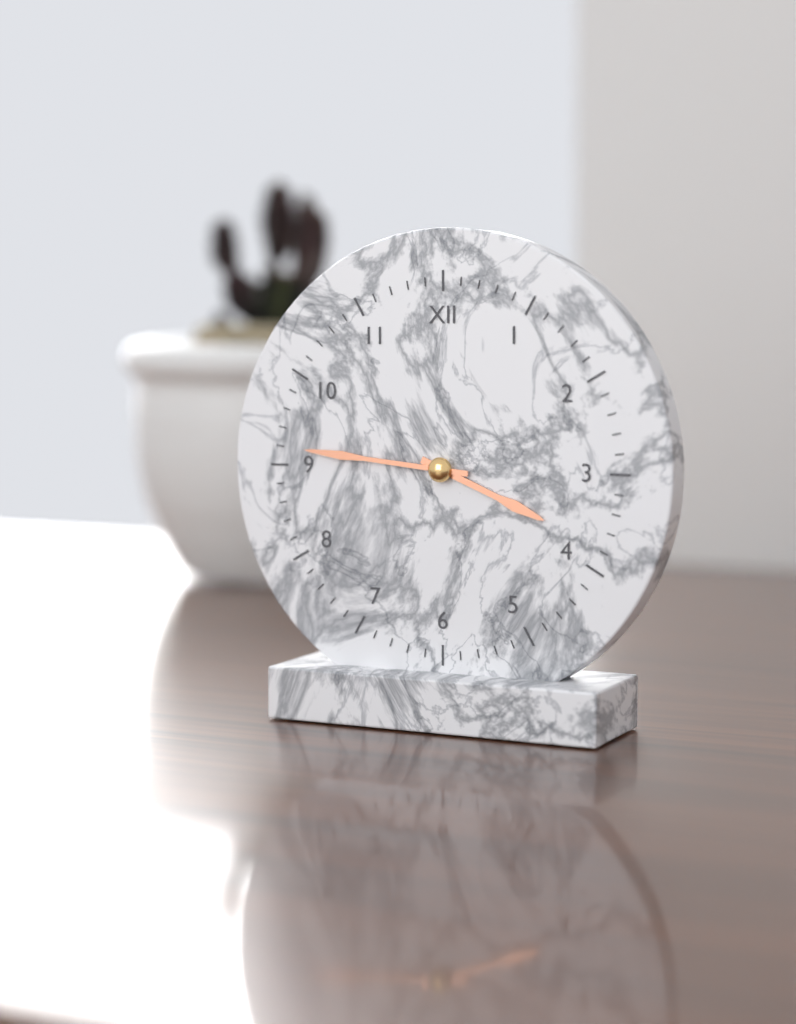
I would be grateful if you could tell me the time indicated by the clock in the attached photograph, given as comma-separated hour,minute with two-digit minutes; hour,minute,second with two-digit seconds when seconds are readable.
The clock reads 3,46
